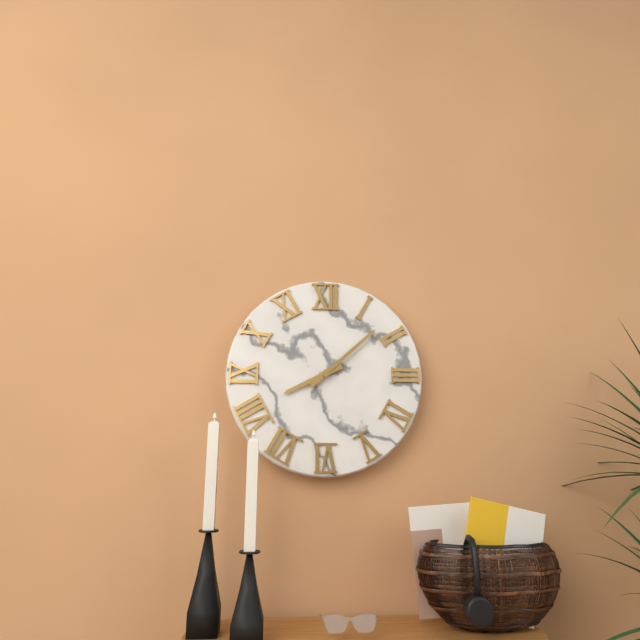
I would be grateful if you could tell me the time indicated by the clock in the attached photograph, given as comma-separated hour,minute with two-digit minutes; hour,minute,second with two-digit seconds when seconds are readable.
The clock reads 8,08
